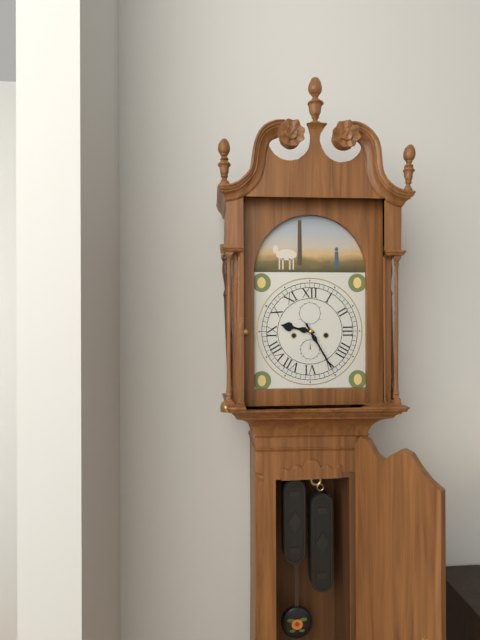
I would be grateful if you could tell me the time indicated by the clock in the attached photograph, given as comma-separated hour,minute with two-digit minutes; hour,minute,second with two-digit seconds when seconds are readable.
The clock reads 9,25
